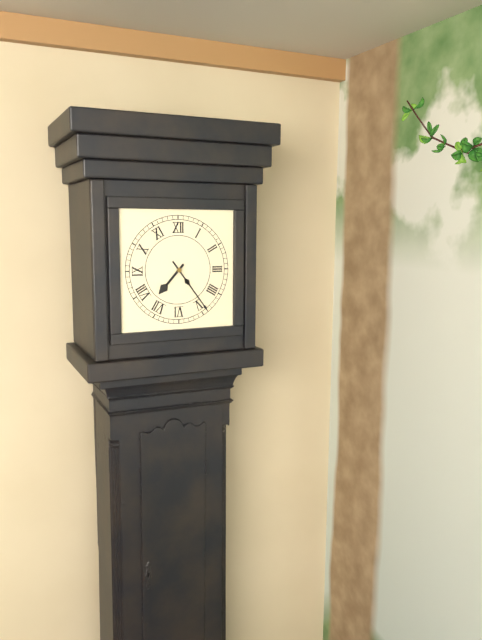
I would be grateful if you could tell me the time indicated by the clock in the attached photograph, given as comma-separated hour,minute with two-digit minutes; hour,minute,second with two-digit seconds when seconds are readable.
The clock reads 7,24
